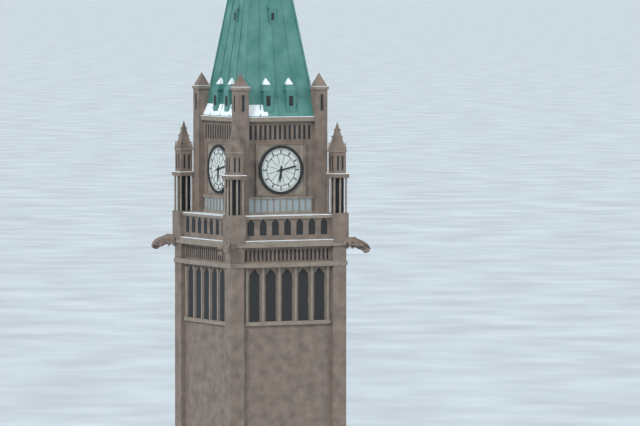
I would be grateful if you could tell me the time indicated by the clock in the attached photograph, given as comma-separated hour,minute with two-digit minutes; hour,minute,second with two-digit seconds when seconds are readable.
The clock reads 6,13
